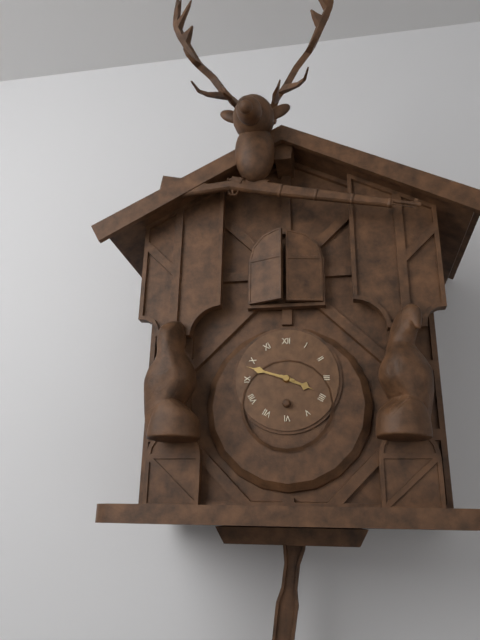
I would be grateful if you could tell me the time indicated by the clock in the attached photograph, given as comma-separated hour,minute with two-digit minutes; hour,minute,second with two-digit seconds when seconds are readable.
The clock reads 3,48
